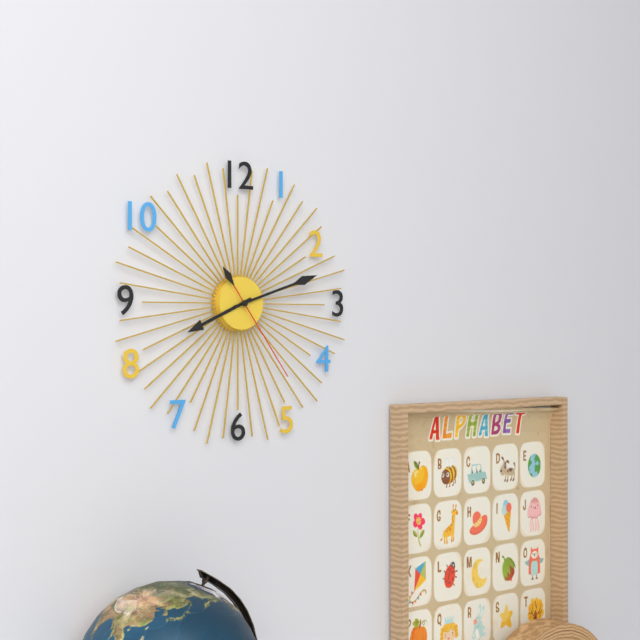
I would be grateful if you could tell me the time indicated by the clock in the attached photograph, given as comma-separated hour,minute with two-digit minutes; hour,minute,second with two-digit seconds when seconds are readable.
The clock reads 8,12,24
